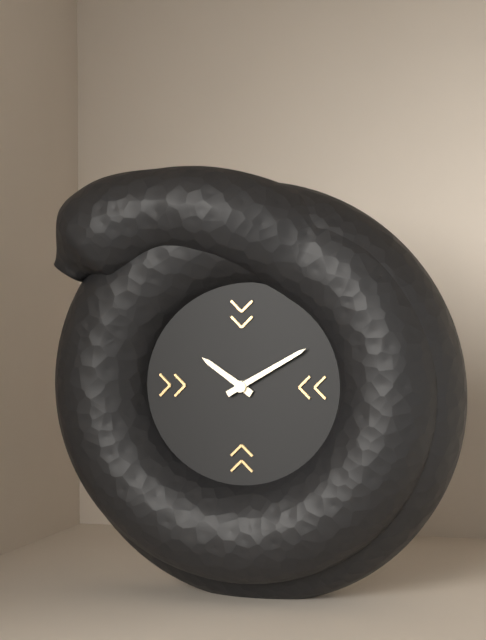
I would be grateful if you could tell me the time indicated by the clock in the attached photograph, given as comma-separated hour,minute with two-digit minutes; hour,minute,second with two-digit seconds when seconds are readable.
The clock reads 10,10
